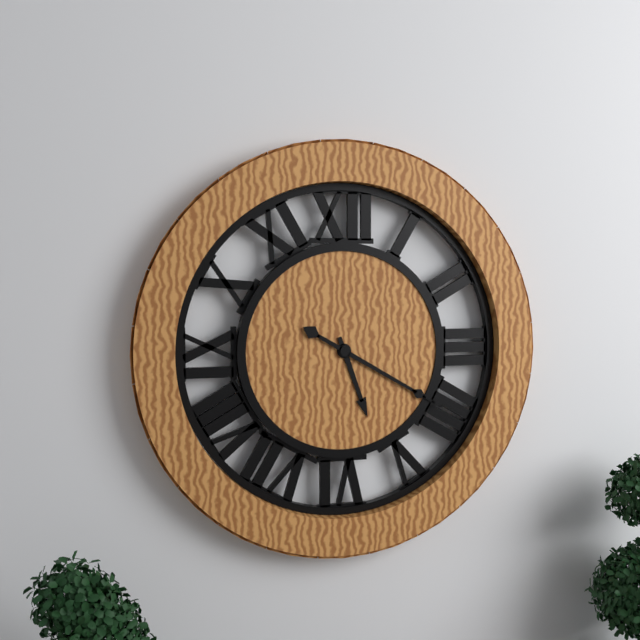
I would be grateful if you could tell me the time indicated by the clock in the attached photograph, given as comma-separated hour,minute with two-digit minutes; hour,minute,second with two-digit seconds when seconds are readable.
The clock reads 5,20
